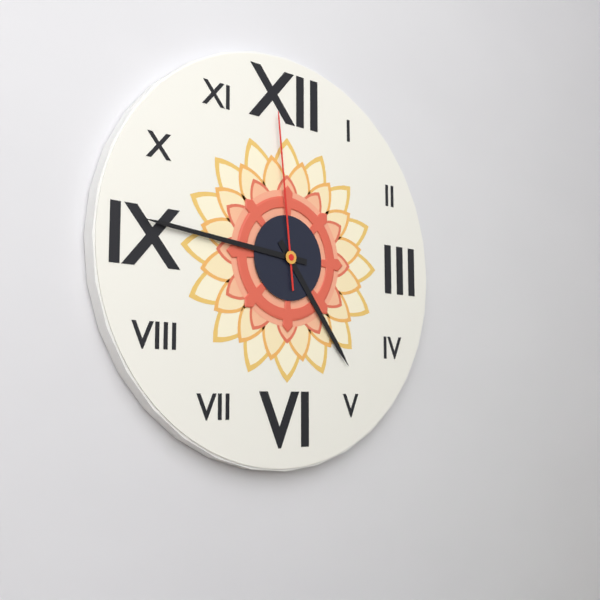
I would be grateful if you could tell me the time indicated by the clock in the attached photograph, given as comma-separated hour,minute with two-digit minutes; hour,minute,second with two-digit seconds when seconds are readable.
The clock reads 4,46,59
